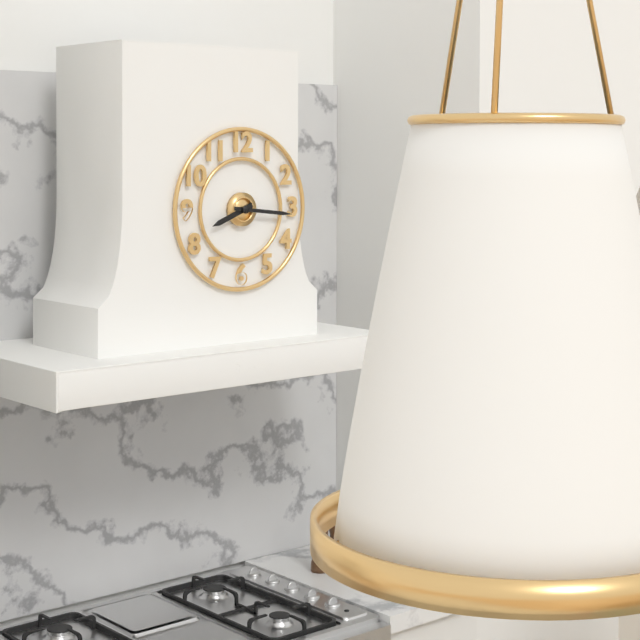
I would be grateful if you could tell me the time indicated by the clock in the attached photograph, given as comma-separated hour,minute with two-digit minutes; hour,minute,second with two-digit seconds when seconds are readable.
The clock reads 8,16
